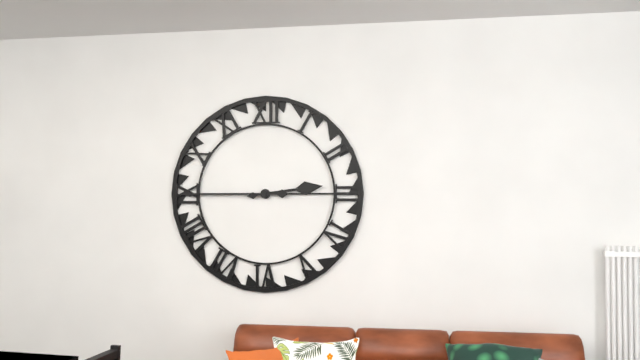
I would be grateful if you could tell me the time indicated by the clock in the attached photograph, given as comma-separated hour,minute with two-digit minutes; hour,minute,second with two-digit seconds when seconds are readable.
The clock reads 2,45
